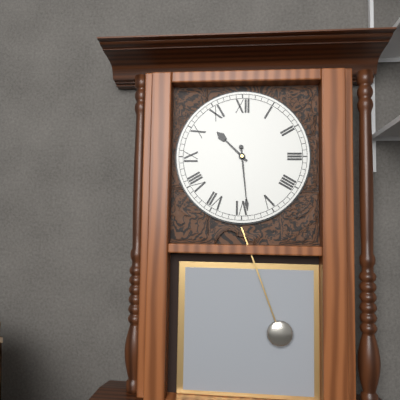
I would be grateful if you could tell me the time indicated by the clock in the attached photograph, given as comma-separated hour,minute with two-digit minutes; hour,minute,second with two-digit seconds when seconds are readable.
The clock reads 10,29
